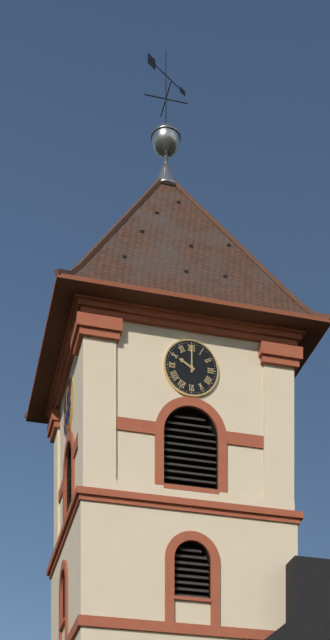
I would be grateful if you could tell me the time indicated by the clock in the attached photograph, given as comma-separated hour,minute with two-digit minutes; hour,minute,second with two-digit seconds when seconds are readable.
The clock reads 10,00
